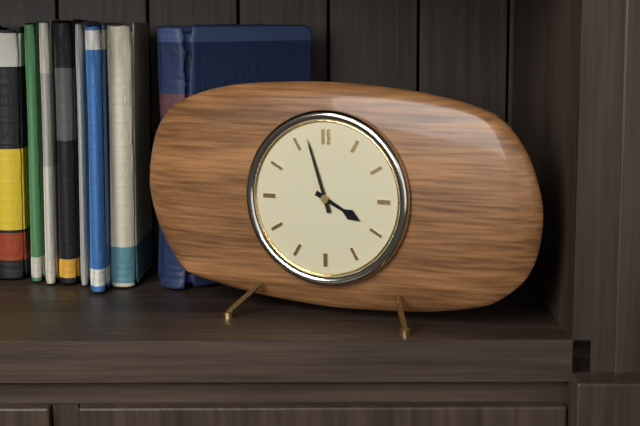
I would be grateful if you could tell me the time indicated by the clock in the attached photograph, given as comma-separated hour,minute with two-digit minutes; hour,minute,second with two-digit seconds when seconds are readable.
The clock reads 3,57
